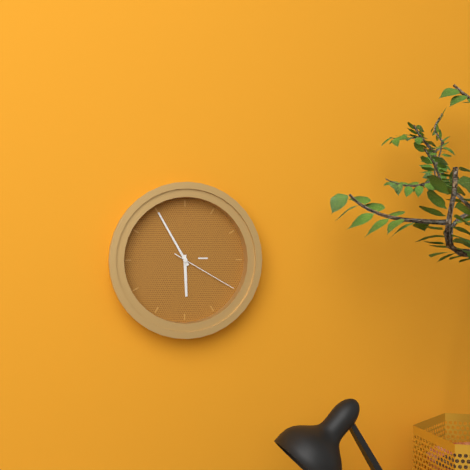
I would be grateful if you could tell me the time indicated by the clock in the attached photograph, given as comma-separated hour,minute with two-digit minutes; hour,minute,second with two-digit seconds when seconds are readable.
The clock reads 5,55,20
